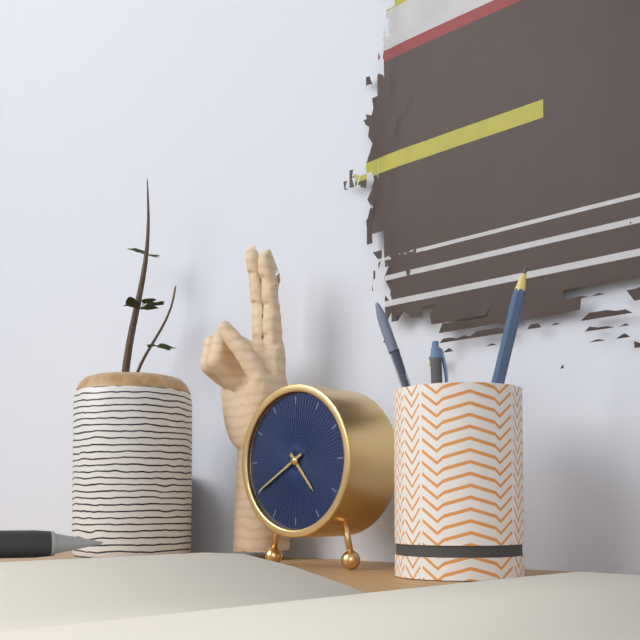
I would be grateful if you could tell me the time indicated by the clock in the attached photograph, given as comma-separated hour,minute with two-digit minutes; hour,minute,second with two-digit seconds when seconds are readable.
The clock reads 4,40
